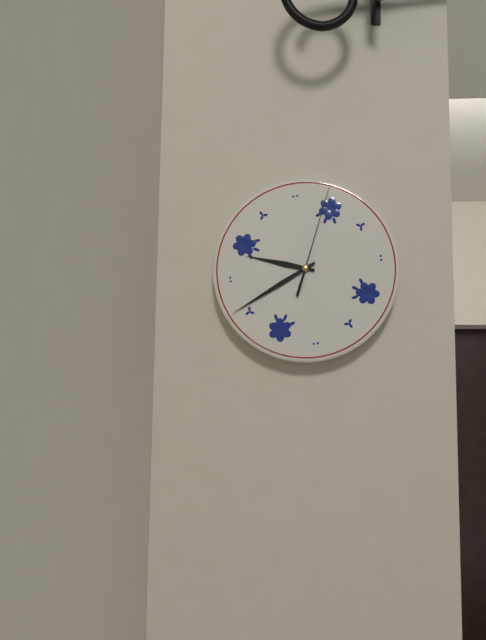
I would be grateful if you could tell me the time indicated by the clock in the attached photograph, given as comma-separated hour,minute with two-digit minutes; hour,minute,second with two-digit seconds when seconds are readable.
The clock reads 9,41,04
